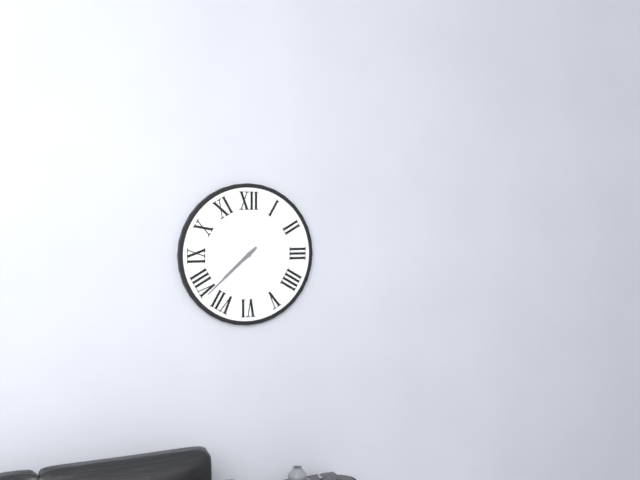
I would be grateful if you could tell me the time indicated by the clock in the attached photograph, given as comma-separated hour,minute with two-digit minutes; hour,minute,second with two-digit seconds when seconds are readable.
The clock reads 7,38
